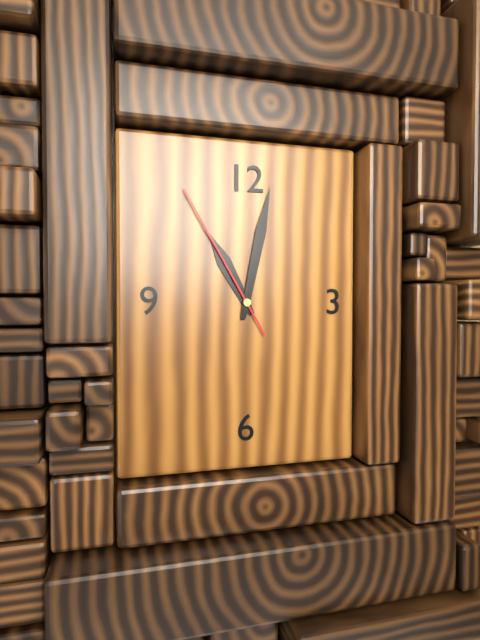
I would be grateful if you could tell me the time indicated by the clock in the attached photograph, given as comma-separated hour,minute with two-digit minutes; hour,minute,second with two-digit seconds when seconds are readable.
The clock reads 11,02,55
